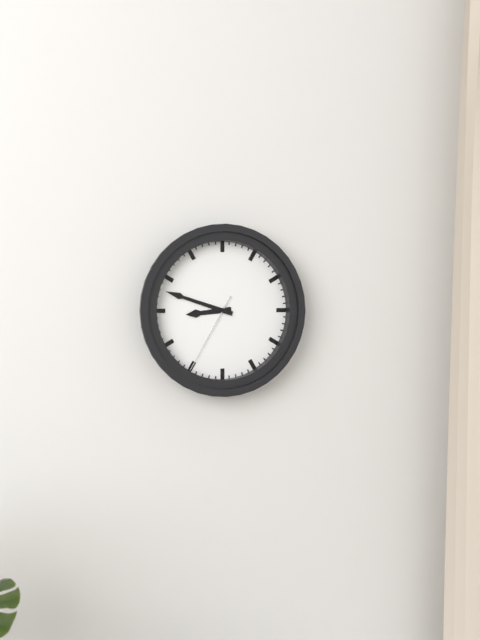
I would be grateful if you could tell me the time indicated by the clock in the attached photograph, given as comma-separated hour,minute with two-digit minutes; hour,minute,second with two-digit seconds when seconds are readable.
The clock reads 8,48,35
